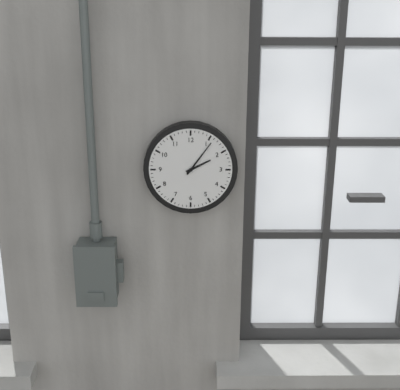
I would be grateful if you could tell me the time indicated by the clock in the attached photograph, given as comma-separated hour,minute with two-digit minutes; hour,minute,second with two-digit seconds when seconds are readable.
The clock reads 2,06
